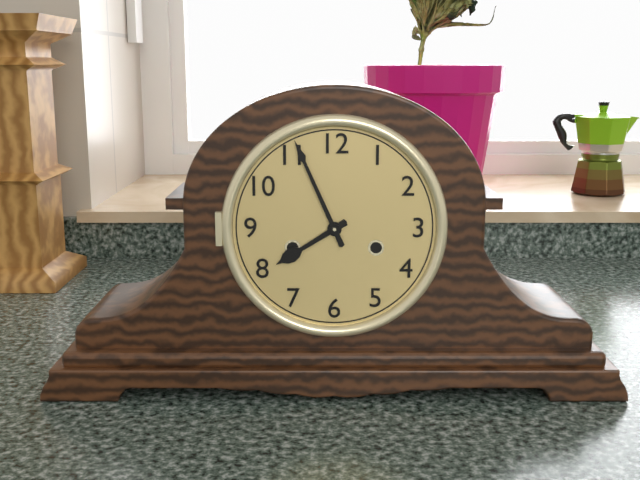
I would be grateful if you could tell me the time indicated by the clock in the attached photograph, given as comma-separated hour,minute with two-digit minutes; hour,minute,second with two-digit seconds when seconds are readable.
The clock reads 7,56
